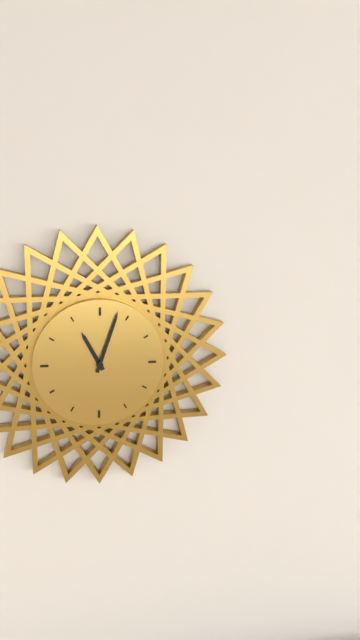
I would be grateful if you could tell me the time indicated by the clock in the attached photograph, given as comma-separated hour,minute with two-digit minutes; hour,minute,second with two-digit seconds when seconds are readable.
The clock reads 11,03
